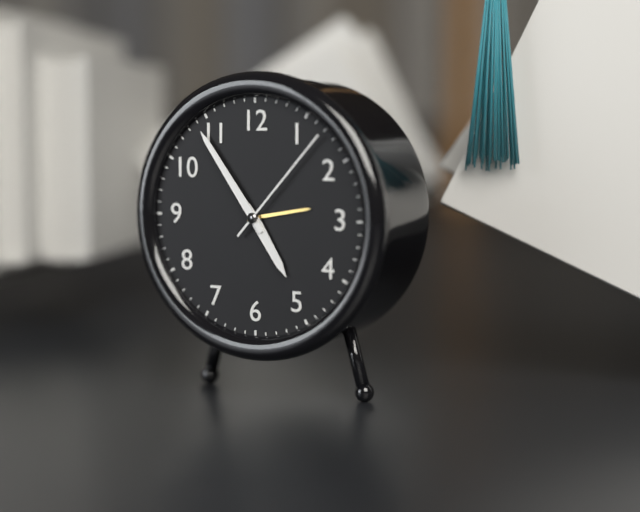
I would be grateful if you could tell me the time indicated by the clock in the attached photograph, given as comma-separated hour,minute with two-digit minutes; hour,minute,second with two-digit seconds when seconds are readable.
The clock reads 4,54,07
